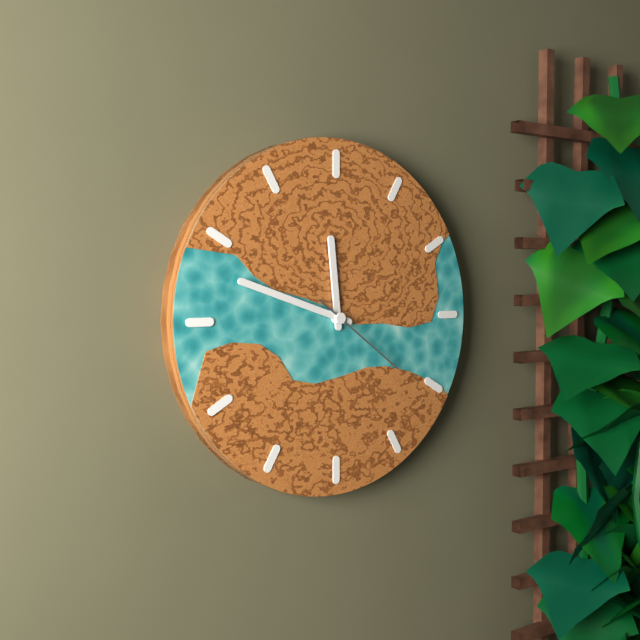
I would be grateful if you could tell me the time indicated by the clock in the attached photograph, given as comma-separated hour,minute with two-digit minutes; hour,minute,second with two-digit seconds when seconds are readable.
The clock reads 11,48,21
